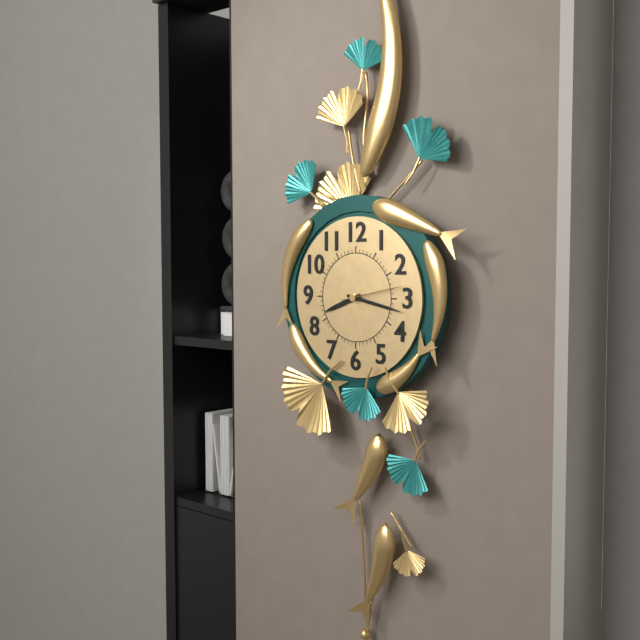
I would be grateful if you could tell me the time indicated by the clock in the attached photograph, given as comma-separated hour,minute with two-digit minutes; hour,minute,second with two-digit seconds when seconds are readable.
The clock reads 8,17,13
